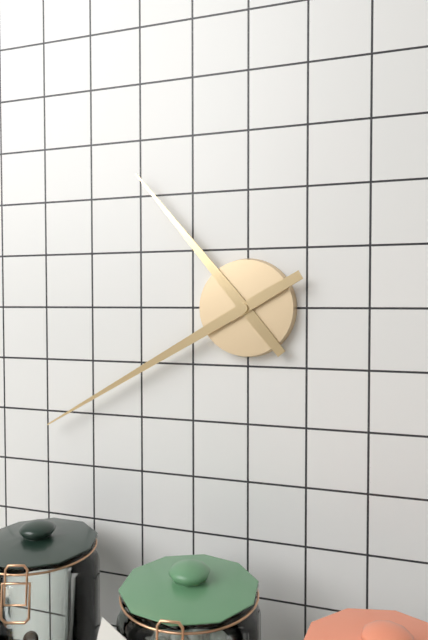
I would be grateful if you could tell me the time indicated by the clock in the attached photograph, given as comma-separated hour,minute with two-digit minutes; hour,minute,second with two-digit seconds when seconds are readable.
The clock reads 10,40
